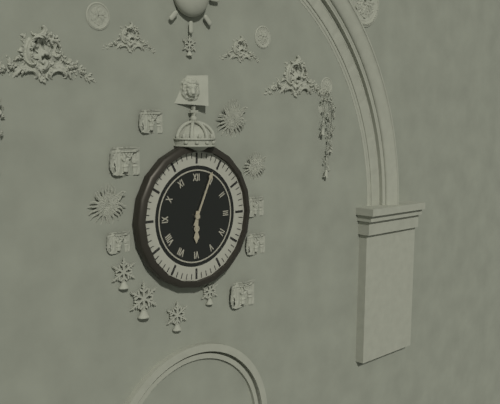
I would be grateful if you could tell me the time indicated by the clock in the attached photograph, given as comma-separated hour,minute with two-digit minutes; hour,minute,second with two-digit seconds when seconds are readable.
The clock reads 6,04
